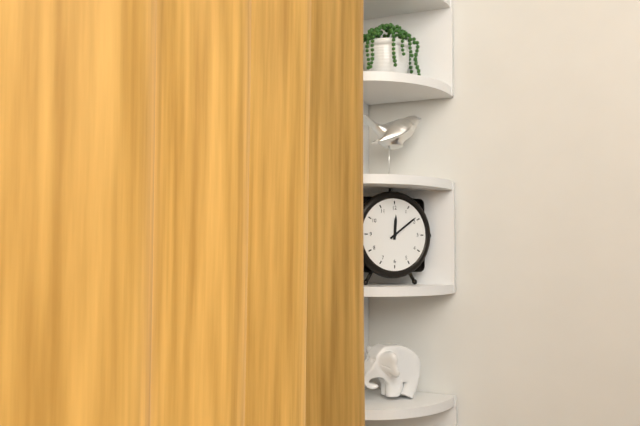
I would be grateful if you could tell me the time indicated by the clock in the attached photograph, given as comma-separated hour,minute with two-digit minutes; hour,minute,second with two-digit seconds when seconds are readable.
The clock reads 12,09
